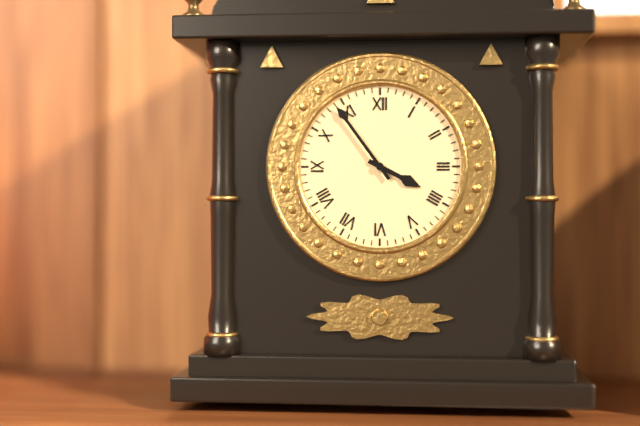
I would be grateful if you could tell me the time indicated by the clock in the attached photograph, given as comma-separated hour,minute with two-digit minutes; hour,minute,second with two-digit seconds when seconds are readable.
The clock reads 3,54
